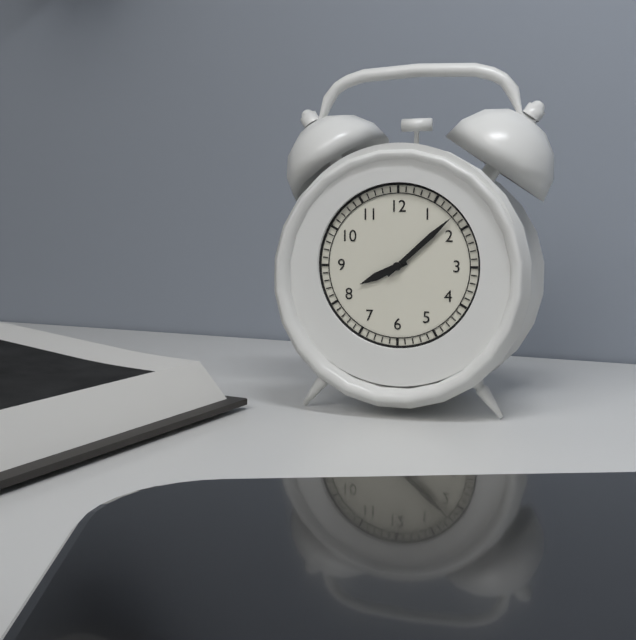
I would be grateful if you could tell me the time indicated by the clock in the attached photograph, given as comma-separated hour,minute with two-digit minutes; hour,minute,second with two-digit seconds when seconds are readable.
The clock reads 8,08
